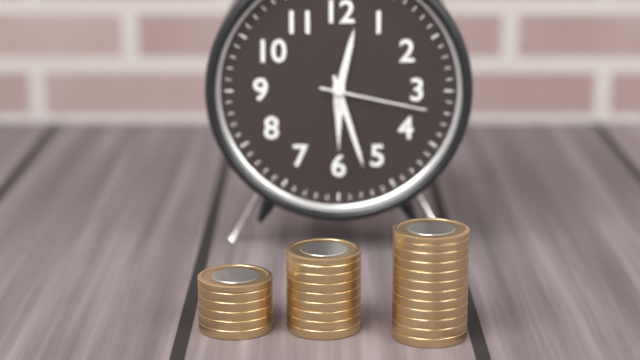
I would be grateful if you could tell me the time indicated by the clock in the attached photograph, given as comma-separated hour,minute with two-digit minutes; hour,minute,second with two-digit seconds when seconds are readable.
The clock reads 12,27,17
